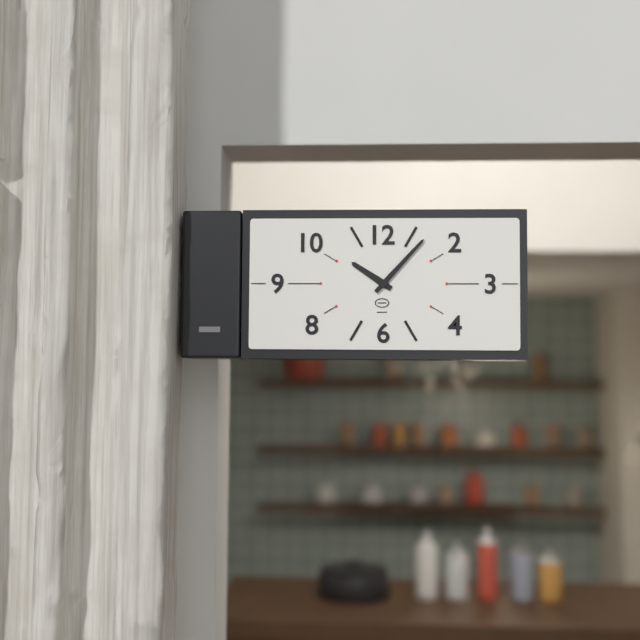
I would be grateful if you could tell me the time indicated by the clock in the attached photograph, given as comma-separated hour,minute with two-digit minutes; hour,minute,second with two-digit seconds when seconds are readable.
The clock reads 10,07
